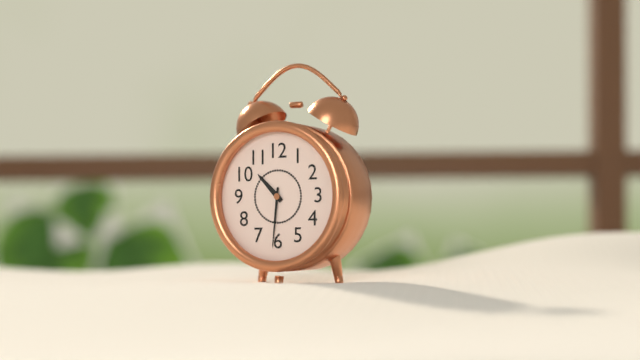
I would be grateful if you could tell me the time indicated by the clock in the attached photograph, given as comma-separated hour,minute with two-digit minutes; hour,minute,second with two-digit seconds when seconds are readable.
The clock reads 10,31
